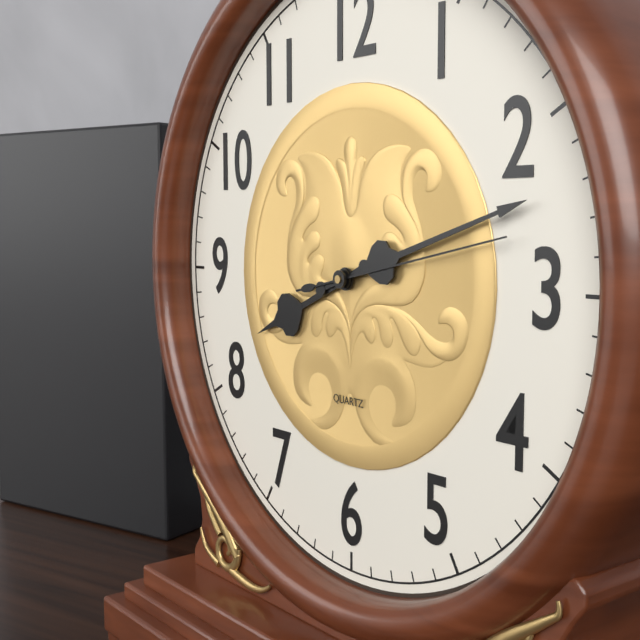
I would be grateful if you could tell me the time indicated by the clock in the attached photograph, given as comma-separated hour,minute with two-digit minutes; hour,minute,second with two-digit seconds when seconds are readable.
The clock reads 8,12,13
